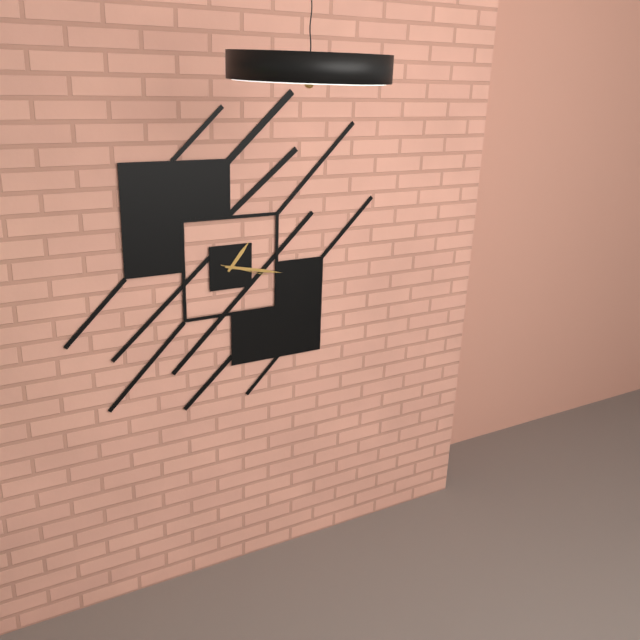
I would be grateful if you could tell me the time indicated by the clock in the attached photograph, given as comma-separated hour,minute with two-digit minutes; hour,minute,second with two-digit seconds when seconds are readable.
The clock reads 1,17
